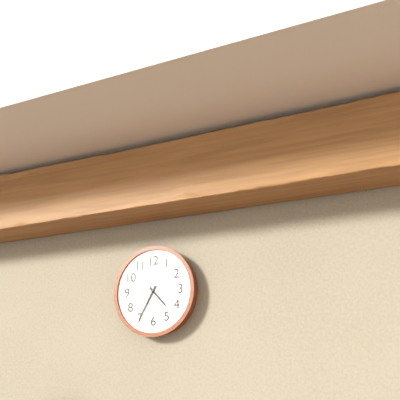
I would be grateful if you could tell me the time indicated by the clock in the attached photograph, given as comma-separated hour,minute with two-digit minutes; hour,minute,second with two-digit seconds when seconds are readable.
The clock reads 4,35
